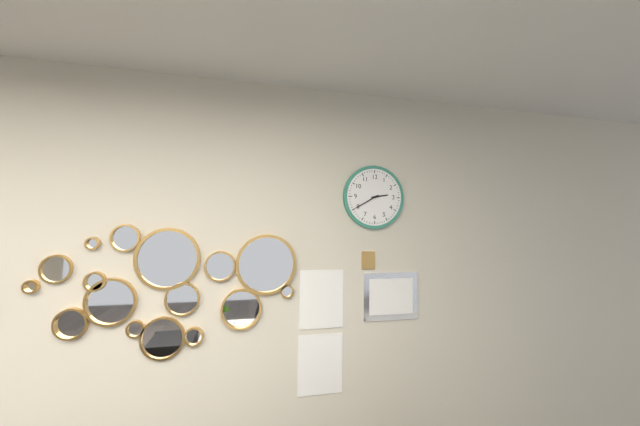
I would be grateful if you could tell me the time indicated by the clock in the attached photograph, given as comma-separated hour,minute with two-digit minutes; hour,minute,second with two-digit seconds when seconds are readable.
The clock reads 2,40
